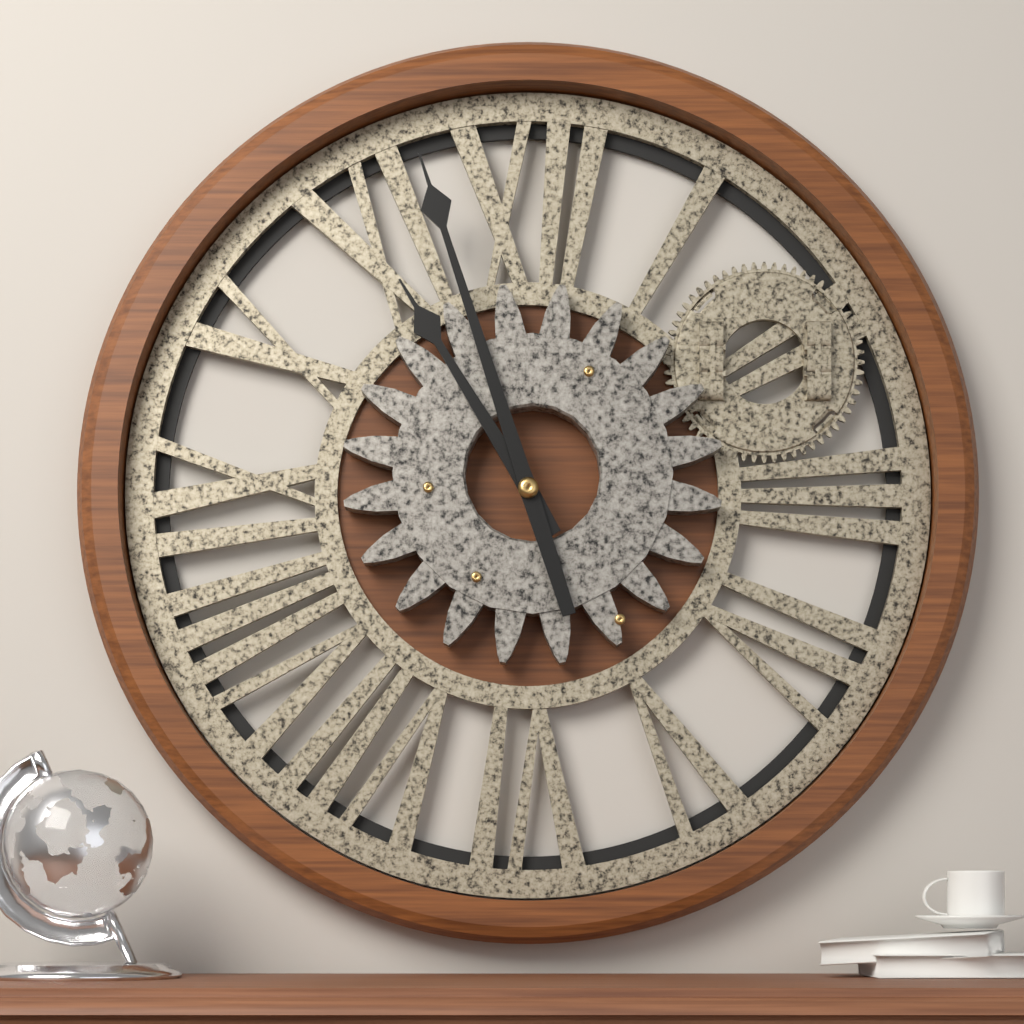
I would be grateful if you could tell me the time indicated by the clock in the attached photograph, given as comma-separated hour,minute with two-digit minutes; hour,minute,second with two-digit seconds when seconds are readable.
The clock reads 10,57
